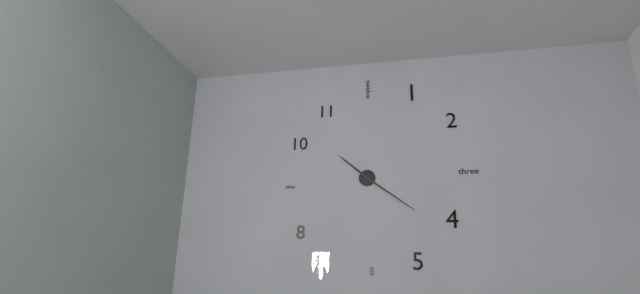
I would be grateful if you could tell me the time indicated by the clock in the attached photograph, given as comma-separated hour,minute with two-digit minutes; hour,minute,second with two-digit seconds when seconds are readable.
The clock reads 10,21
